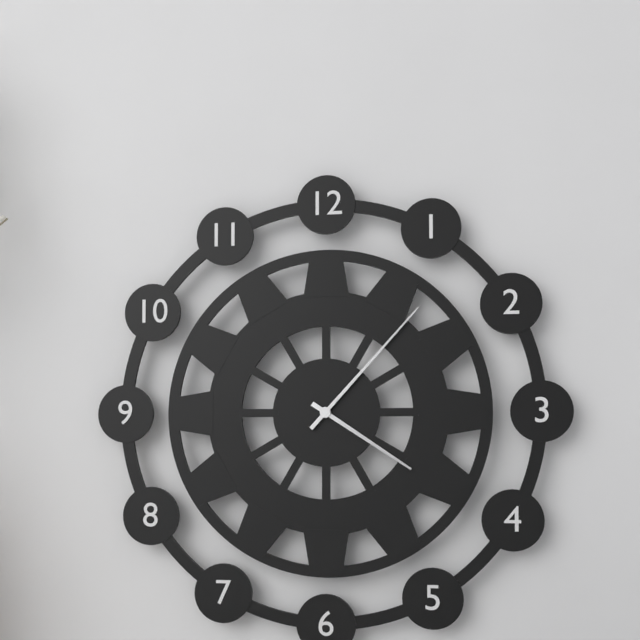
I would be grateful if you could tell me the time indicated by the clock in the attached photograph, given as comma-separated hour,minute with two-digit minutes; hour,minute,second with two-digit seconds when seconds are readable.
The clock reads 4,07
